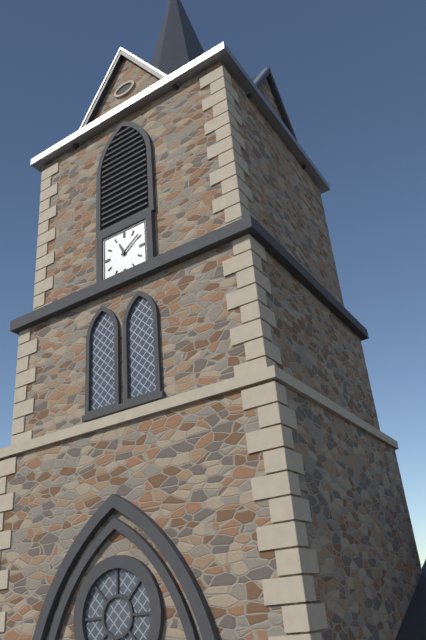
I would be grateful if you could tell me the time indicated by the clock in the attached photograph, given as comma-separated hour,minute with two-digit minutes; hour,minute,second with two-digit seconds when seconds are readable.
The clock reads 11,09
